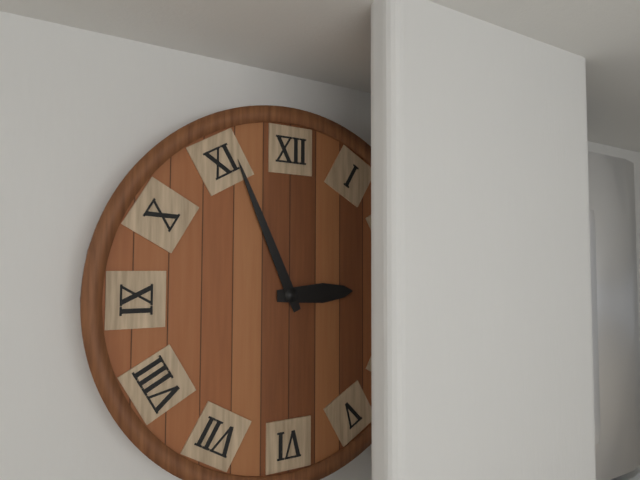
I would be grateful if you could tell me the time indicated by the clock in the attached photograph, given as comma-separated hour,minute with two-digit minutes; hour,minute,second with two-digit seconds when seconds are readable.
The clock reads 2,56
